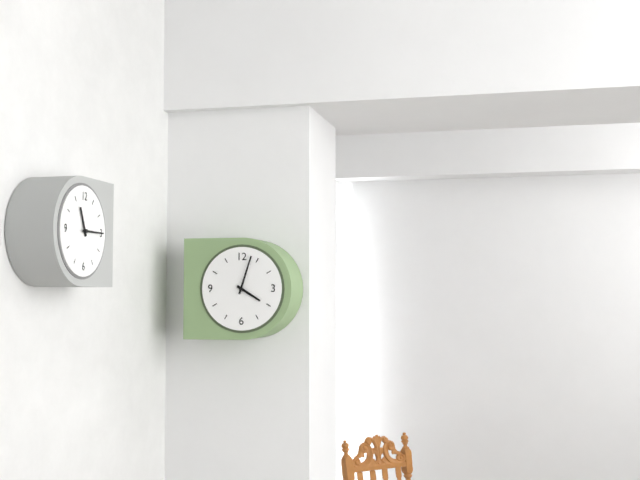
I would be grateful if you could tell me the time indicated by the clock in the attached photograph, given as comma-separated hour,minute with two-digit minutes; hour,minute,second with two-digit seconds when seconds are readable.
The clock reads 4,03
